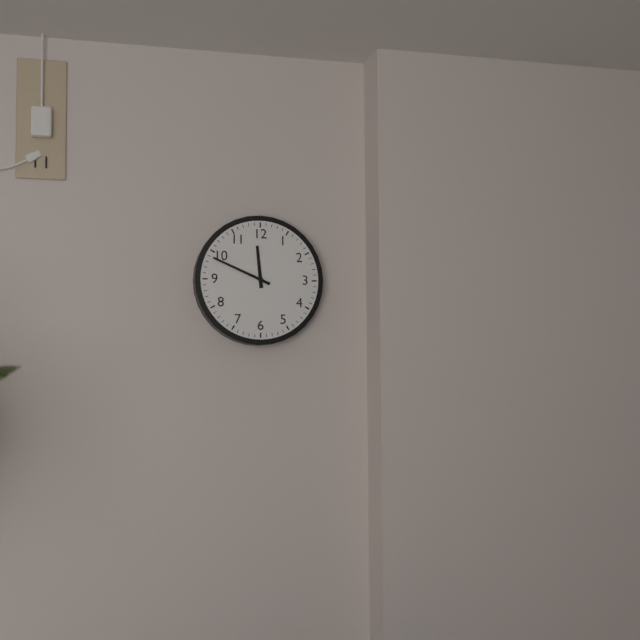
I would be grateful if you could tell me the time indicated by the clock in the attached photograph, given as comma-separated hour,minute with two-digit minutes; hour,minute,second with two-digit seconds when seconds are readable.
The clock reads 11,49
